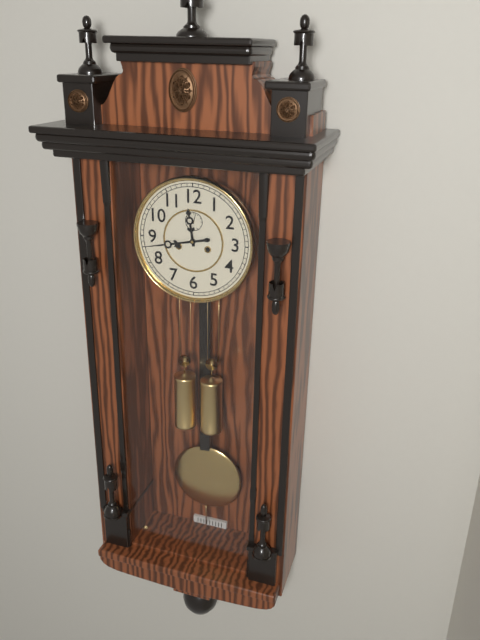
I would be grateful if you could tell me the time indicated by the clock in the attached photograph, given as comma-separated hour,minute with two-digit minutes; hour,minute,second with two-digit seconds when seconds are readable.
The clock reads 11,43
